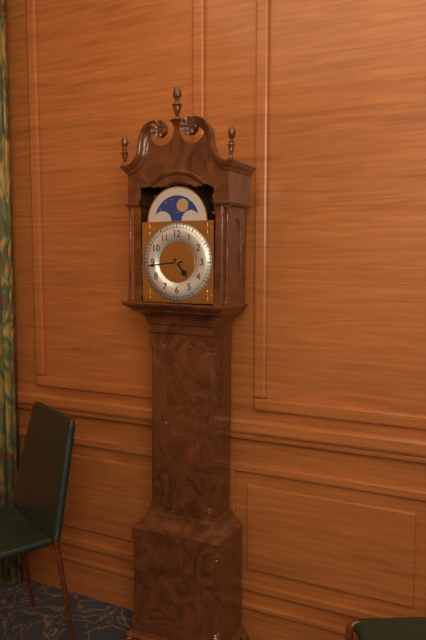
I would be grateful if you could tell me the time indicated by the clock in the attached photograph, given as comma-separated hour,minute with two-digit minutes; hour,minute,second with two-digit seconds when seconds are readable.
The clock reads 4,44
